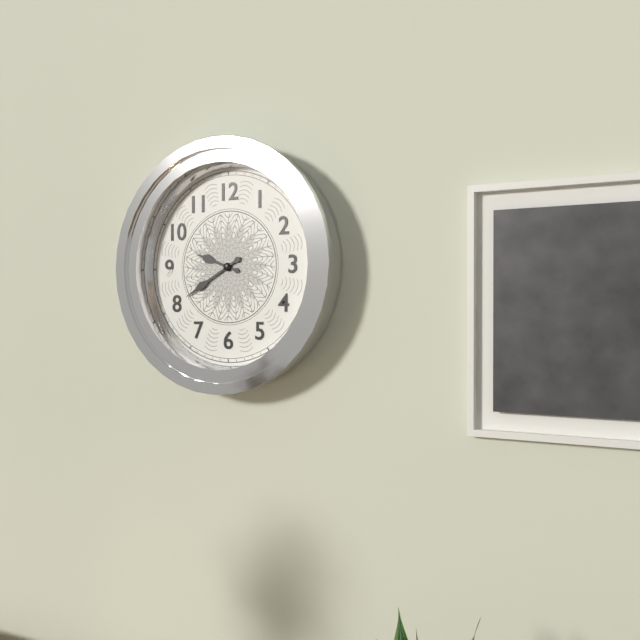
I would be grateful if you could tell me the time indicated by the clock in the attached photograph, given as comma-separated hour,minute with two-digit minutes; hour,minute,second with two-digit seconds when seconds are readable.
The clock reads 9,40
